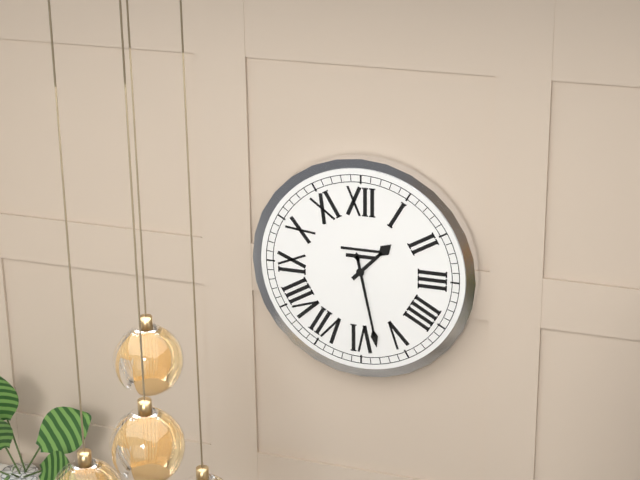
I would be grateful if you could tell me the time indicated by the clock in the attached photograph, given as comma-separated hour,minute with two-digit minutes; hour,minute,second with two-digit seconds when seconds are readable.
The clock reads 1,28
